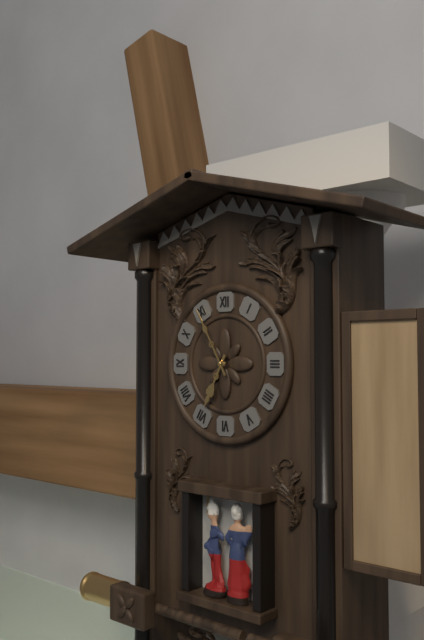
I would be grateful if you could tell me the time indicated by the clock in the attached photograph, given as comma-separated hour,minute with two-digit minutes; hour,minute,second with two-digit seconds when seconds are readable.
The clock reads 6,55
